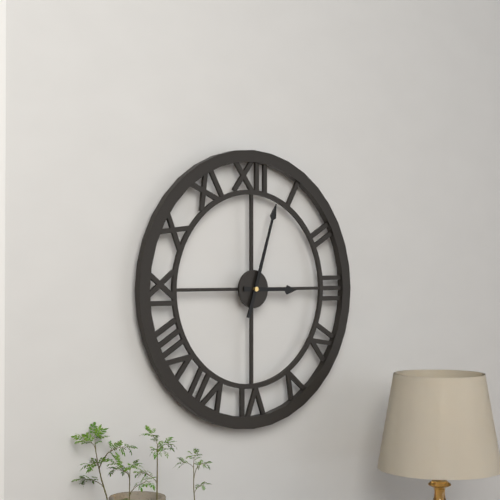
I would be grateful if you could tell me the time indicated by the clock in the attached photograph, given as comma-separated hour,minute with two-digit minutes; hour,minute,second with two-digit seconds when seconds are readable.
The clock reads 3,03
